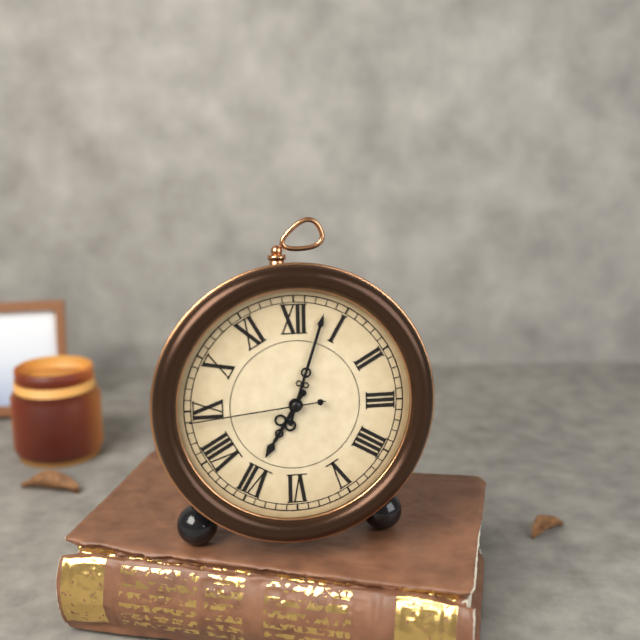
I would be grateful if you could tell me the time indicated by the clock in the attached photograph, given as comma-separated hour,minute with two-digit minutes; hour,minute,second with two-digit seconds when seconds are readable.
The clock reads 7,03,44
